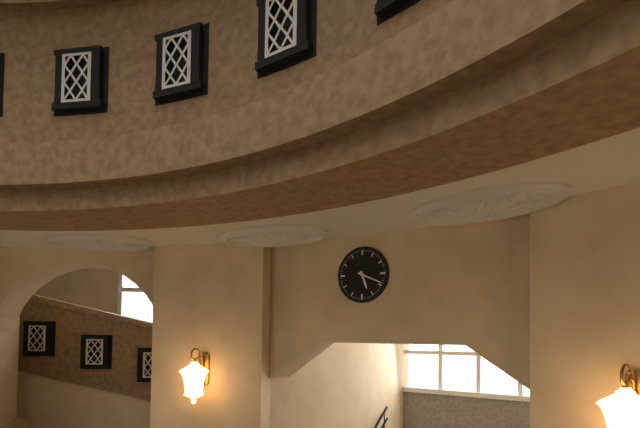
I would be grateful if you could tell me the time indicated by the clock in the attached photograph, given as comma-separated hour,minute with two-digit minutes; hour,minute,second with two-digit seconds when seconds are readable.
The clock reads 5,19
